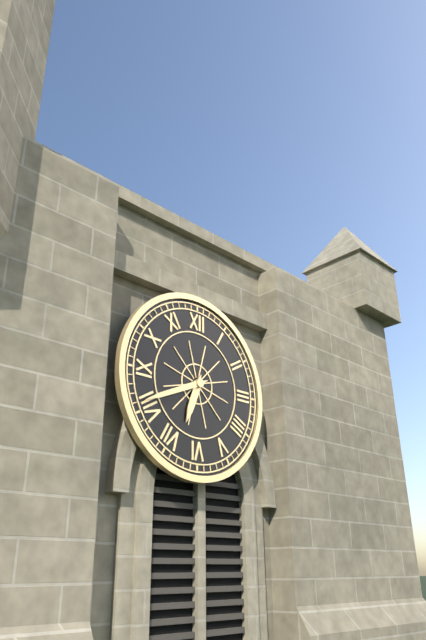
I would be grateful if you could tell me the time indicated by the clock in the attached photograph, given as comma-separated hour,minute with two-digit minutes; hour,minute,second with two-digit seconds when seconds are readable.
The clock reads 6,41
